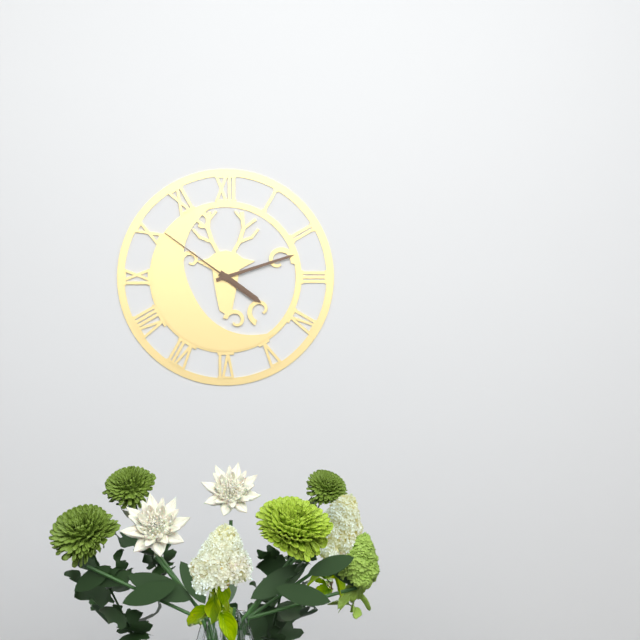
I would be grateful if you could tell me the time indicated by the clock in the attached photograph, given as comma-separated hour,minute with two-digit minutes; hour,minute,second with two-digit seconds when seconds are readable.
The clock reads 4,12,51
